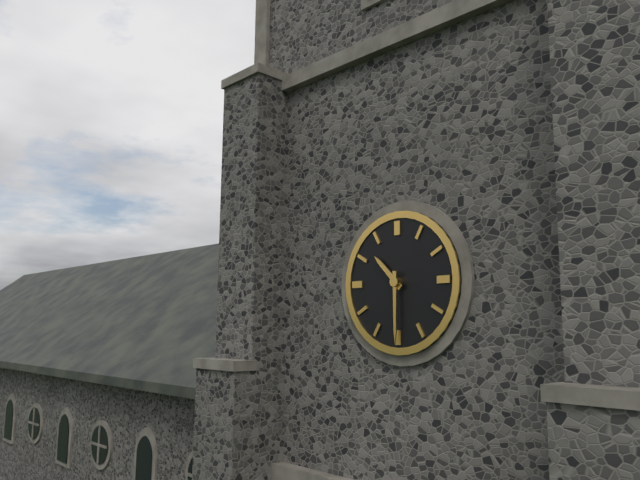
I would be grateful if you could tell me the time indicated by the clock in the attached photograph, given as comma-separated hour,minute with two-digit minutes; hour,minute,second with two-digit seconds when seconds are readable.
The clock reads 10,30
